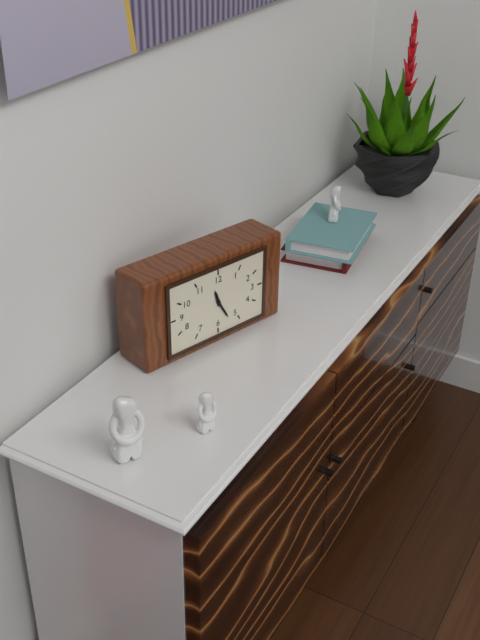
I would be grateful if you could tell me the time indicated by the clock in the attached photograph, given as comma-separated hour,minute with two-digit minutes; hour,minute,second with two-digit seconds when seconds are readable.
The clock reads 11,25
